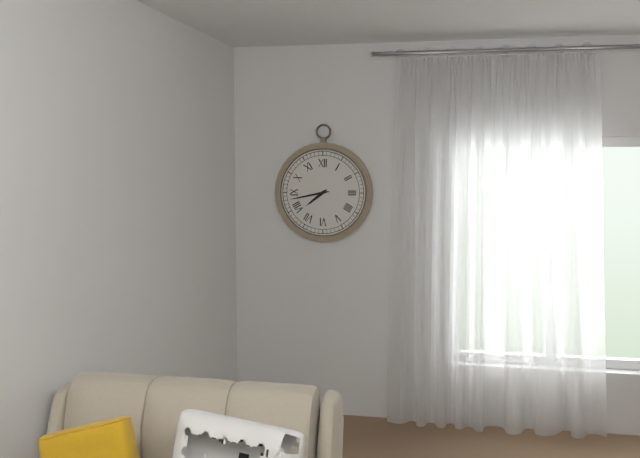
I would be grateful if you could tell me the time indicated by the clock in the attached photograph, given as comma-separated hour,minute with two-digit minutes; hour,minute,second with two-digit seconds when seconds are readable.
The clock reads 7,43
